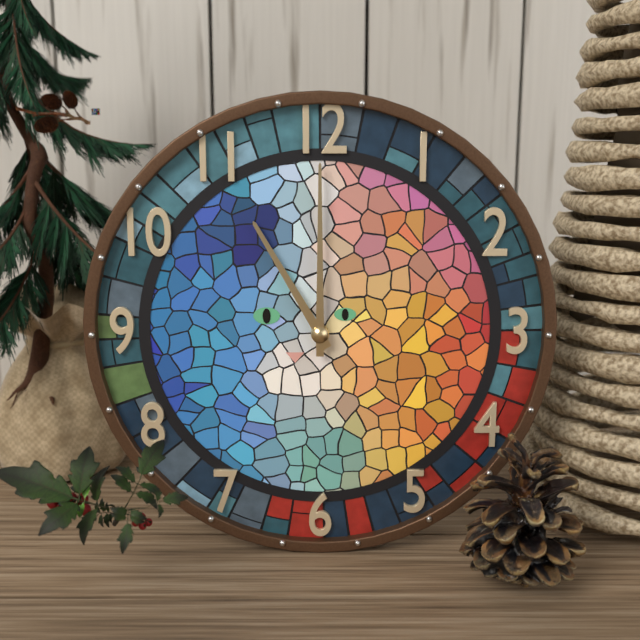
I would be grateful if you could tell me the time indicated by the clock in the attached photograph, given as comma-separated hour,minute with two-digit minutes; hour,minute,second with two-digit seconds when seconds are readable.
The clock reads 11,00
